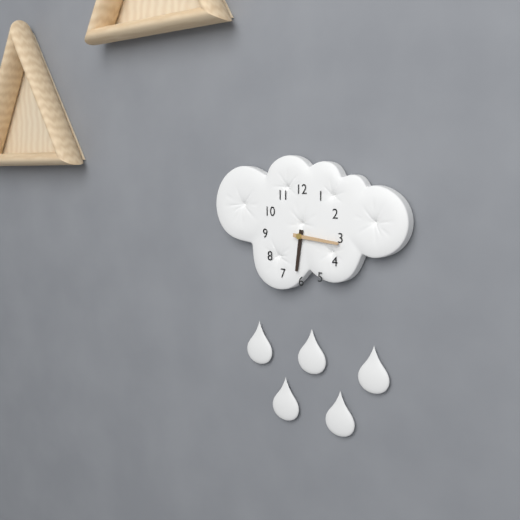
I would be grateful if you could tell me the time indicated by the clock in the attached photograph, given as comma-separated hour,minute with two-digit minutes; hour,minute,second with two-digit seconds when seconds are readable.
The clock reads 6,16
